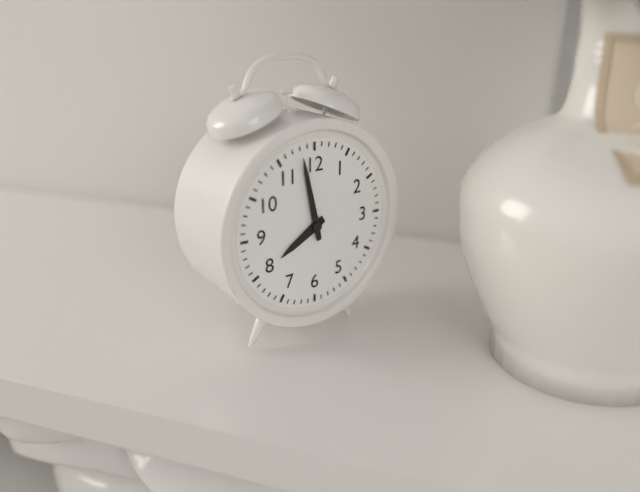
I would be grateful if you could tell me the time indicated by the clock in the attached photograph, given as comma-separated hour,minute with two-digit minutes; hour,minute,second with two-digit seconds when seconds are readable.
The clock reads 7,58
